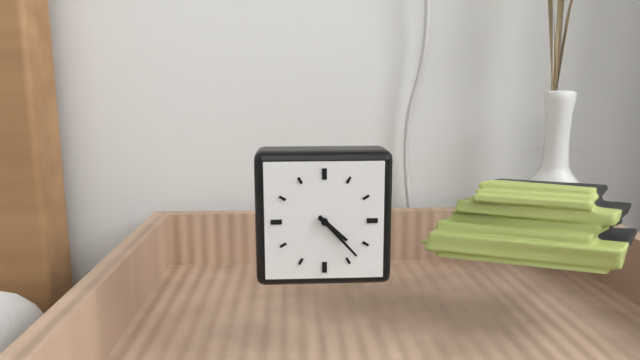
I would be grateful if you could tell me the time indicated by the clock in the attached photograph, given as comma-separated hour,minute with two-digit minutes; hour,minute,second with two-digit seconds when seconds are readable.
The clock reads 4,23
